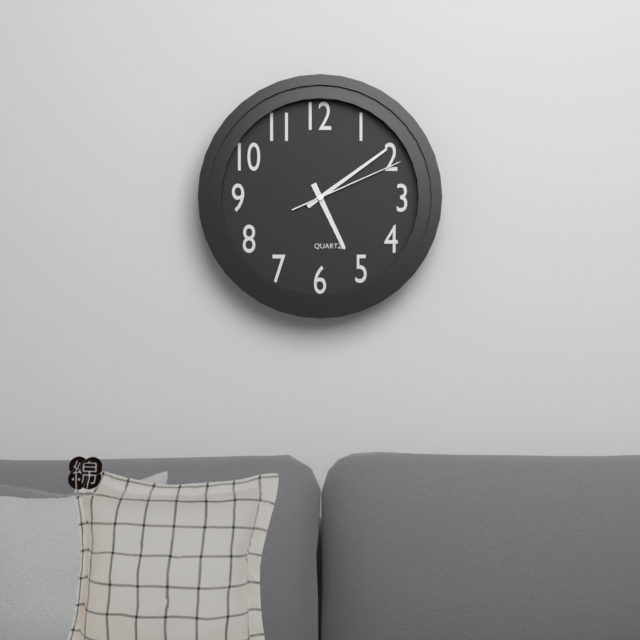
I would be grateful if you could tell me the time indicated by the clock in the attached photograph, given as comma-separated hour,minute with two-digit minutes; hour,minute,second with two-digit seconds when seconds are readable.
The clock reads 5,09,11
